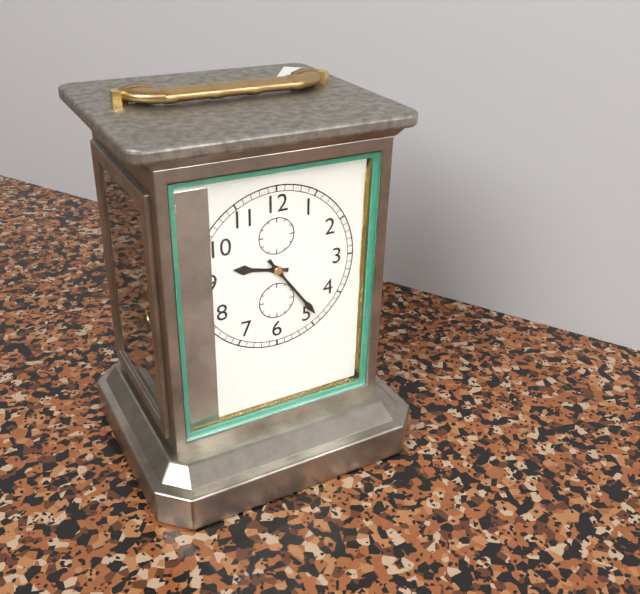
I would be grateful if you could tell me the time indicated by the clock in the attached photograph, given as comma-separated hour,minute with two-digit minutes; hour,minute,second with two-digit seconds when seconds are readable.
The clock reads 9,24
